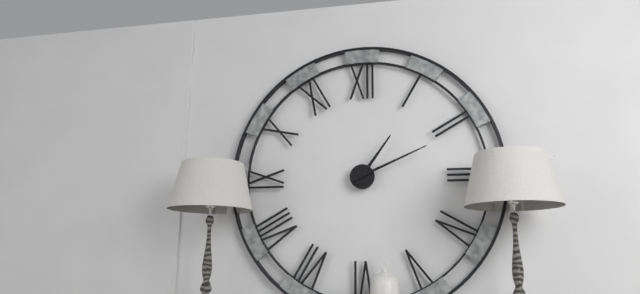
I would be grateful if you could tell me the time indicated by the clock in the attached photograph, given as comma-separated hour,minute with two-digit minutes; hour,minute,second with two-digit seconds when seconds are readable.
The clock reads 1,11
